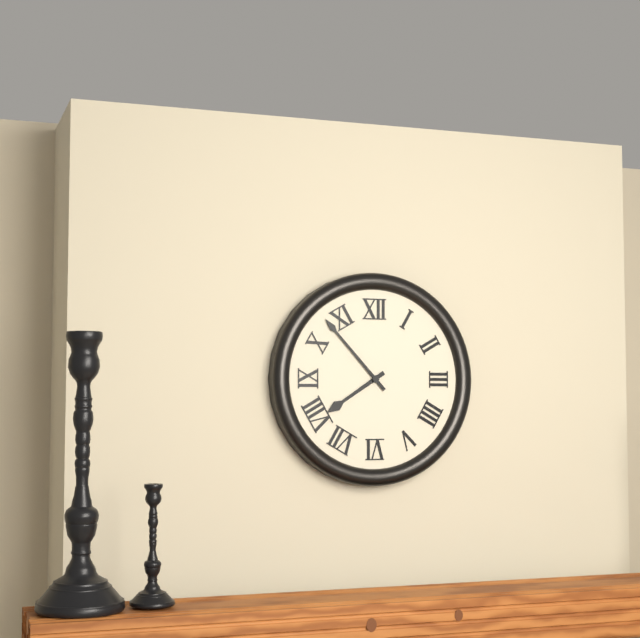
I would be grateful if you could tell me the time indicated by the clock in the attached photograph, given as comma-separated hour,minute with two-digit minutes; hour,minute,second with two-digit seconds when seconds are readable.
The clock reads 7,53
